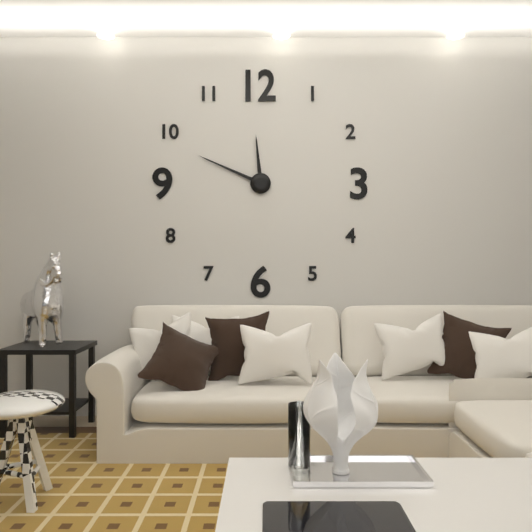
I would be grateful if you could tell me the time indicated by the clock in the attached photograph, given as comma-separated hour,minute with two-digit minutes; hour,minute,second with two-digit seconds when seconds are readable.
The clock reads 11,49
